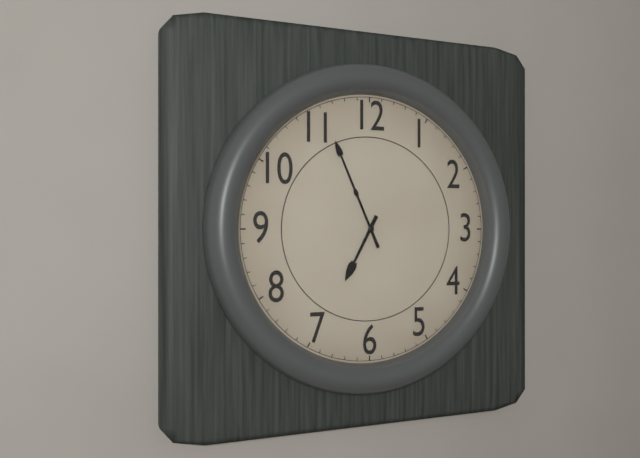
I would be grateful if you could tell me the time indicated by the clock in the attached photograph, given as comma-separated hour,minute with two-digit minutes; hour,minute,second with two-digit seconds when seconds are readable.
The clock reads 6,56
